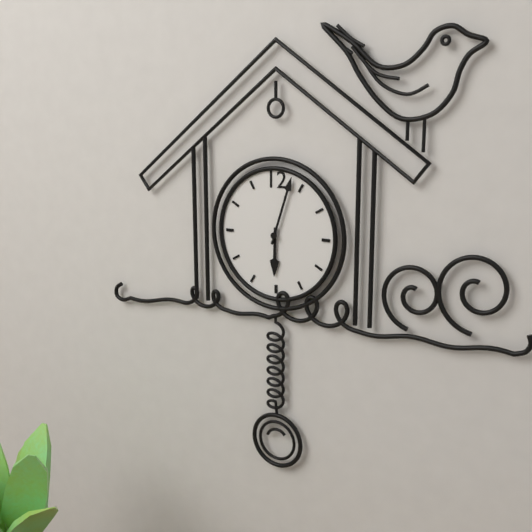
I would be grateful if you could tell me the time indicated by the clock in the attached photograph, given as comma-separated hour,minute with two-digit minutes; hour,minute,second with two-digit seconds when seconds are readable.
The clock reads 6,03
